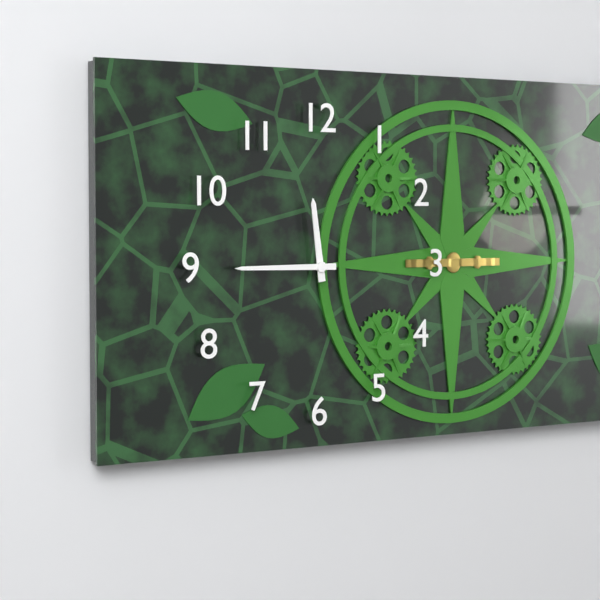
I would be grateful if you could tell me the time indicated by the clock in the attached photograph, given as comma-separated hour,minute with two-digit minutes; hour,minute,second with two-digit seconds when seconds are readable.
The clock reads 11,45
